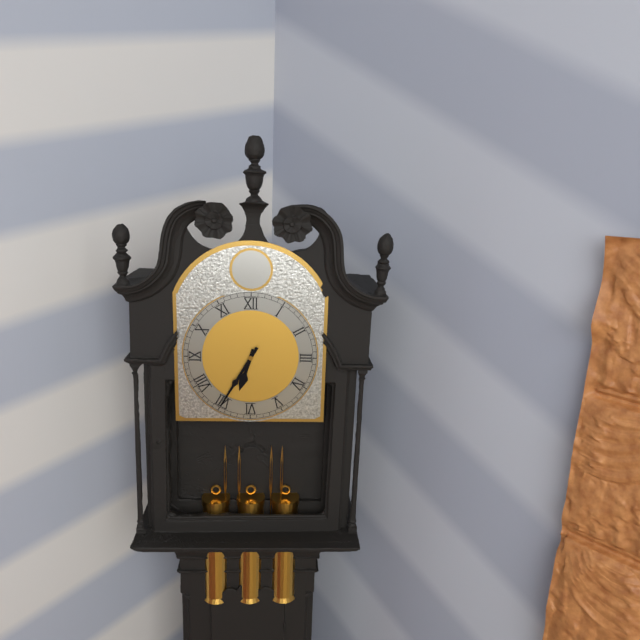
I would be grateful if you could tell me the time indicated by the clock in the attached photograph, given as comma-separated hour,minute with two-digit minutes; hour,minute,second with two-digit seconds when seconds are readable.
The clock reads 6,35
